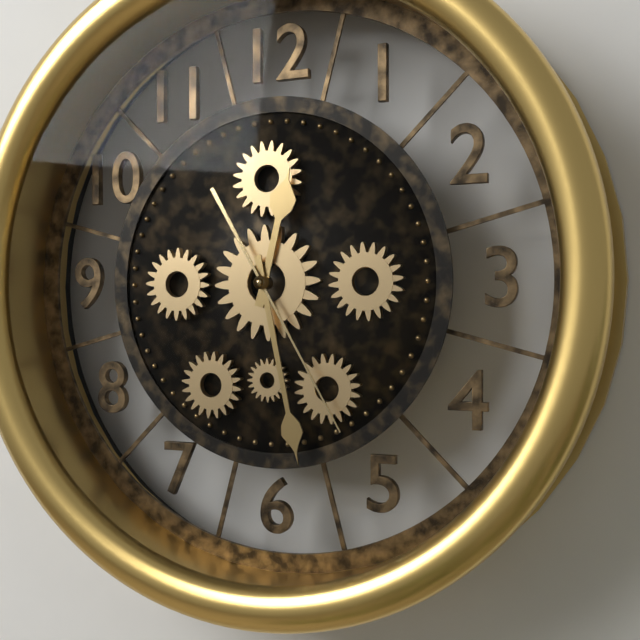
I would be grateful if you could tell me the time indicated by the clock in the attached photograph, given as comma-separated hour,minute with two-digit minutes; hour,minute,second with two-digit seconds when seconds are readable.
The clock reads 12,28,25
